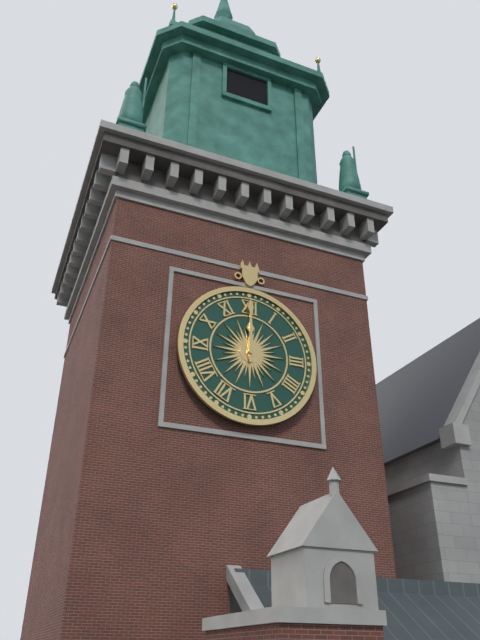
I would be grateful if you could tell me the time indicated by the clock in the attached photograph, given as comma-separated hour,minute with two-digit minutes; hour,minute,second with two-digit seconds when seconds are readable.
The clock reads 12,00
